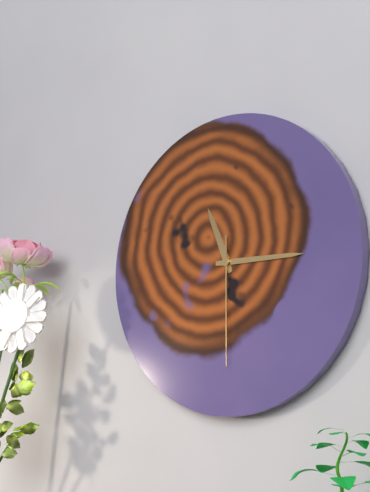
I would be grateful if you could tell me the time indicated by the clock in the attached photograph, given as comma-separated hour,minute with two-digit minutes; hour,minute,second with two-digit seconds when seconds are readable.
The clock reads 11,15,30
